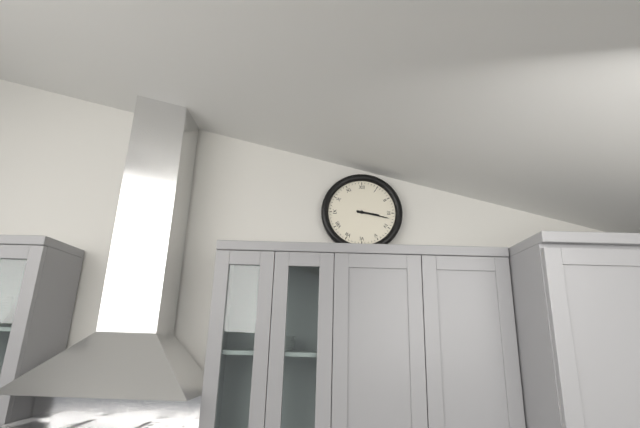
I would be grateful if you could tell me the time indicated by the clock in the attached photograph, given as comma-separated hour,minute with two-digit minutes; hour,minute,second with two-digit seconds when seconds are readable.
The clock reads 3,17
